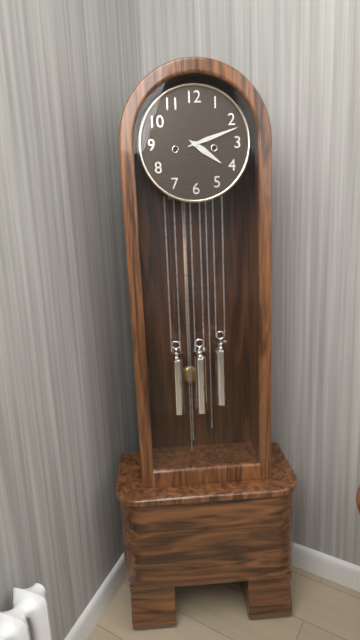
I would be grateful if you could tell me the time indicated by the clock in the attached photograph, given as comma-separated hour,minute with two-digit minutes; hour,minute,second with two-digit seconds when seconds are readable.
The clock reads 4,12
